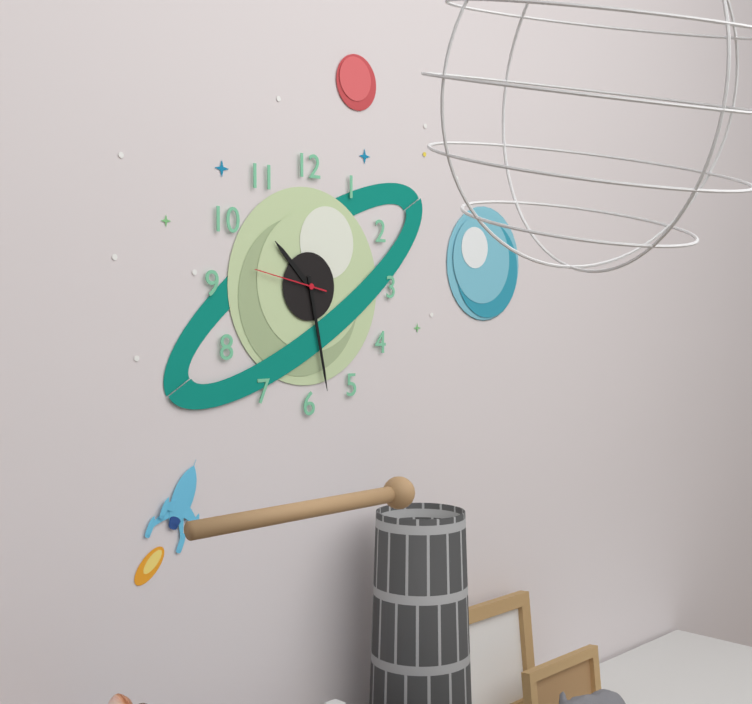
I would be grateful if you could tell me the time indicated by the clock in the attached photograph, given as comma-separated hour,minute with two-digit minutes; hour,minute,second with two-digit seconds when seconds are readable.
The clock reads 10,28,47
